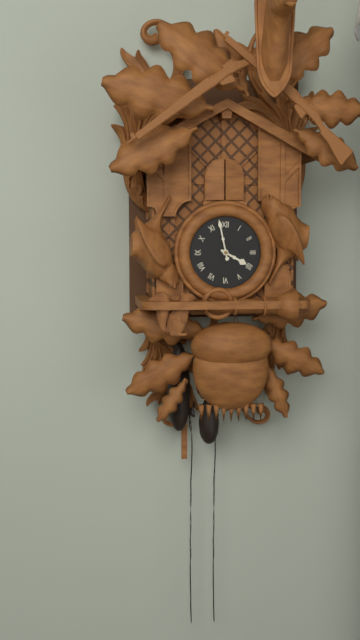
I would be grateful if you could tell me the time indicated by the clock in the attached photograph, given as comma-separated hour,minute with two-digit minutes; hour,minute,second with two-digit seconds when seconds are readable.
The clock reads 3,58
